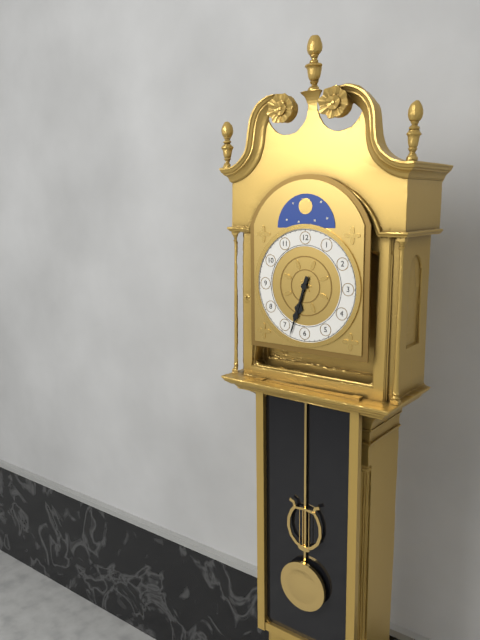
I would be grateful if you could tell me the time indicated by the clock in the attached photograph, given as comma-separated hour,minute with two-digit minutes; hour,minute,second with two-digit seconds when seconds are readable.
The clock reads 6,33
